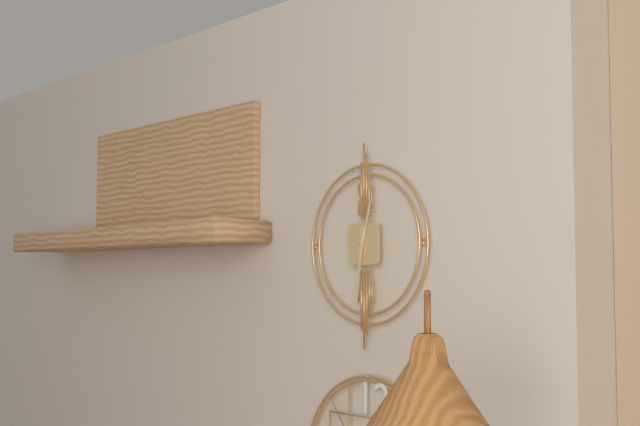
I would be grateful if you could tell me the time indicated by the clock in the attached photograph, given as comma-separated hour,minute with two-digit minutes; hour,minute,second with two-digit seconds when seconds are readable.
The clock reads 12,31
